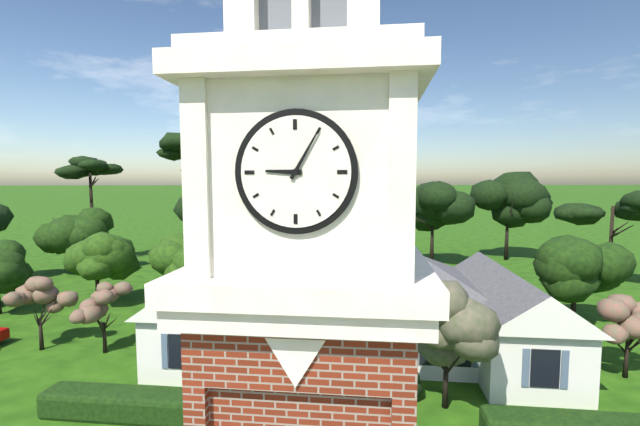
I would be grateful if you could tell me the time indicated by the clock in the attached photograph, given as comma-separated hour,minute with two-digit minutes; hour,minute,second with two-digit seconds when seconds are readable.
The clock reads 9,05
